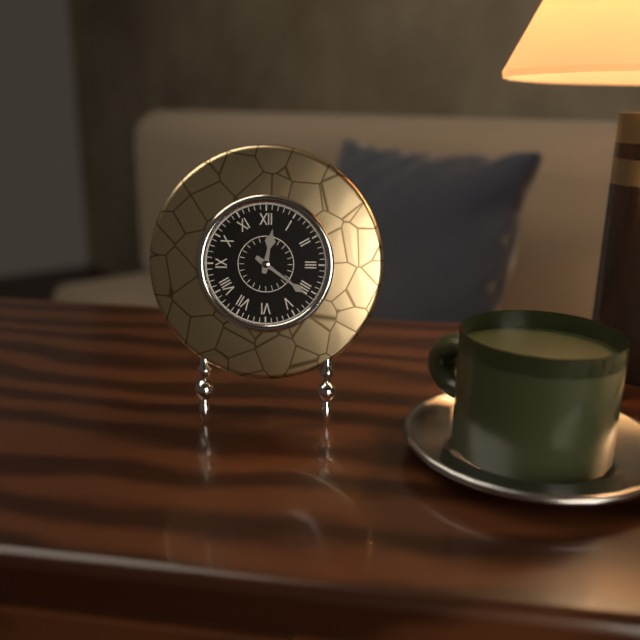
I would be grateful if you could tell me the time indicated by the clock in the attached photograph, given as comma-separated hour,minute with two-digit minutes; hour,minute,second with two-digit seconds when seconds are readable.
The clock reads 12,21
